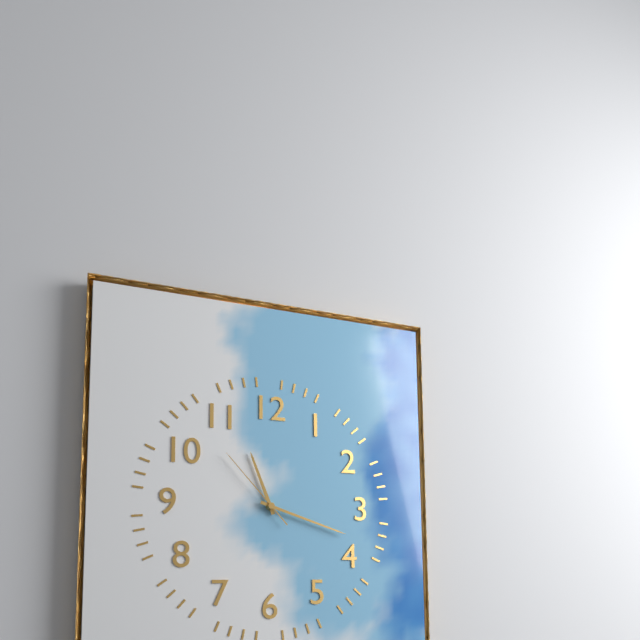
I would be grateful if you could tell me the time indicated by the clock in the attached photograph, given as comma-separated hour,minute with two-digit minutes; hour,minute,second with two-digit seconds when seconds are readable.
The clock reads 11,18,53
